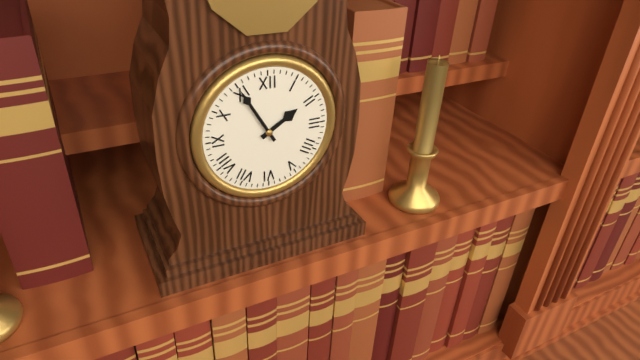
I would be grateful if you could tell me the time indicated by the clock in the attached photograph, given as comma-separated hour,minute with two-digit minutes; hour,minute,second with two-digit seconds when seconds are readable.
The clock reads 1,55
